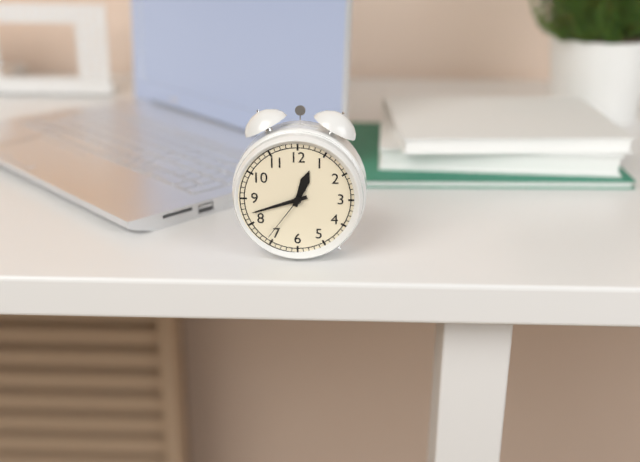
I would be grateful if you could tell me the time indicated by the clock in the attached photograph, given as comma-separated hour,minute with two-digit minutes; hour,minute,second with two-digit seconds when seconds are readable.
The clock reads 12,42,36
